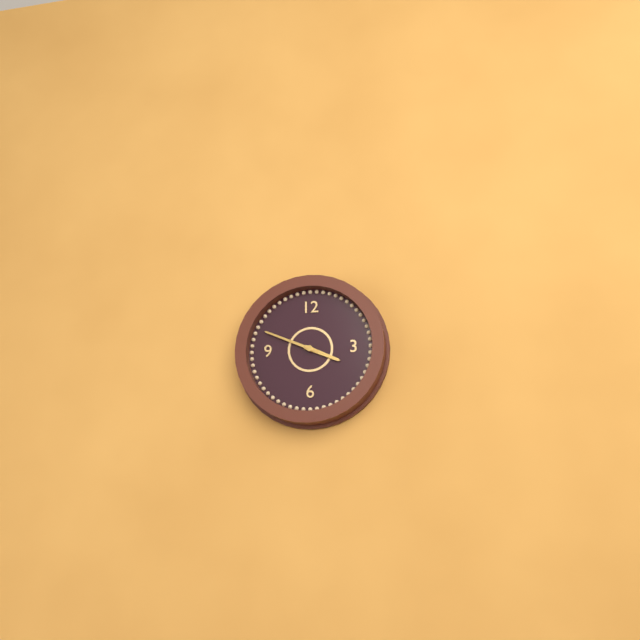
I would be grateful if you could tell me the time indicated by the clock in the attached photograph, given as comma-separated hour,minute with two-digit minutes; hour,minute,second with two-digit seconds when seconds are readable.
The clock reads 3,49
